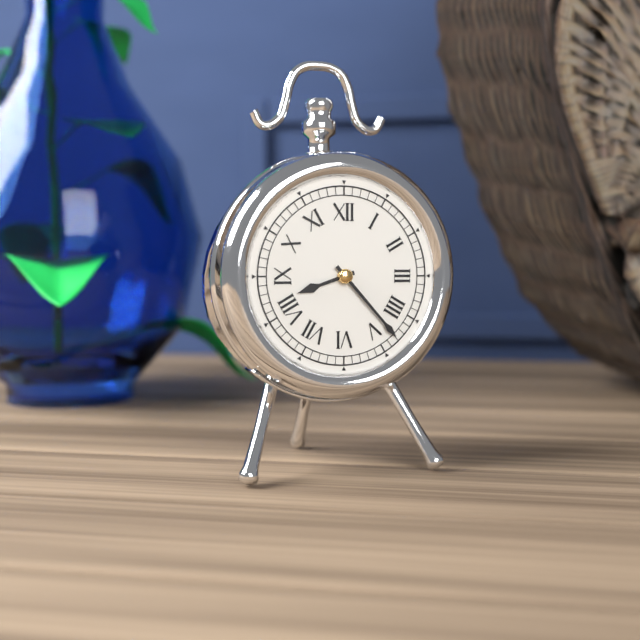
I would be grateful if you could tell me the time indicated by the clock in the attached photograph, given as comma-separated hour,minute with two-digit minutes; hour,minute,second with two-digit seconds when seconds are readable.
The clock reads 8,23
